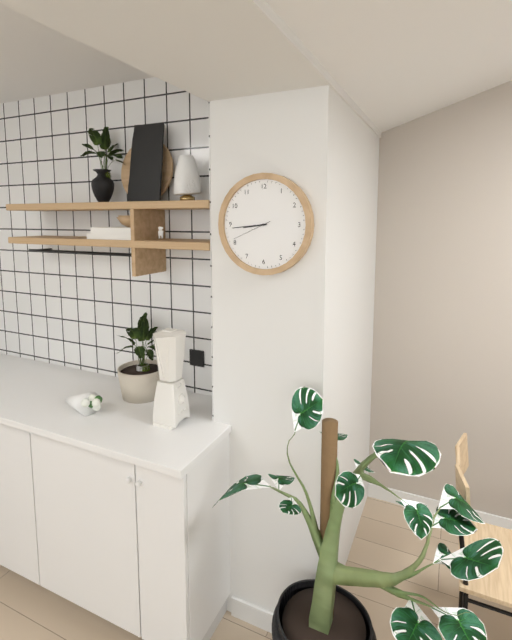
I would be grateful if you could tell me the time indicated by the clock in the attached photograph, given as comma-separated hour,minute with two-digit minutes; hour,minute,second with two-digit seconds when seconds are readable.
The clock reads 8,44
